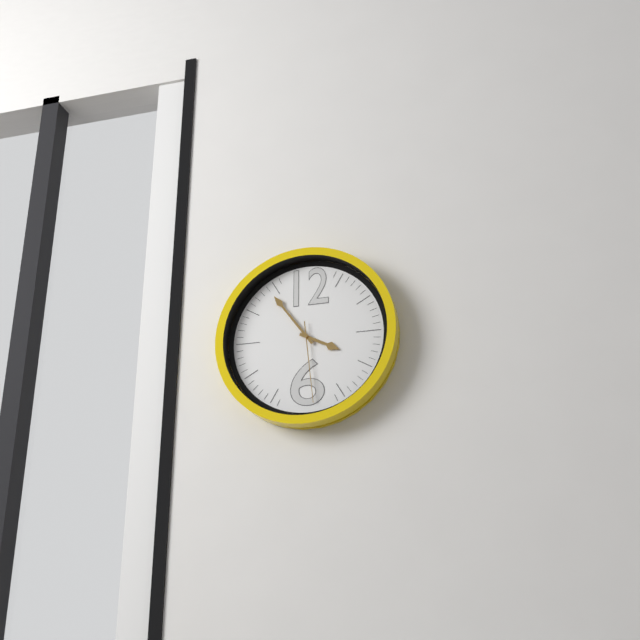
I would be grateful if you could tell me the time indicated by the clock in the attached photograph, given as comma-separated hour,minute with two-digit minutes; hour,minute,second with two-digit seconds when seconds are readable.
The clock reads 3,54,29
